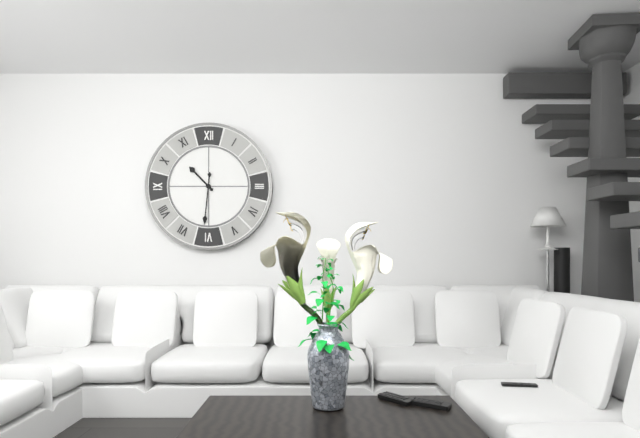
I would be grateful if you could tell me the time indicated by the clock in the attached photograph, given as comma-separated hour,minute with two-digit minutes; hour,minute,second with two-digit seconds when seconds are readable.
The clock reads 10,31
